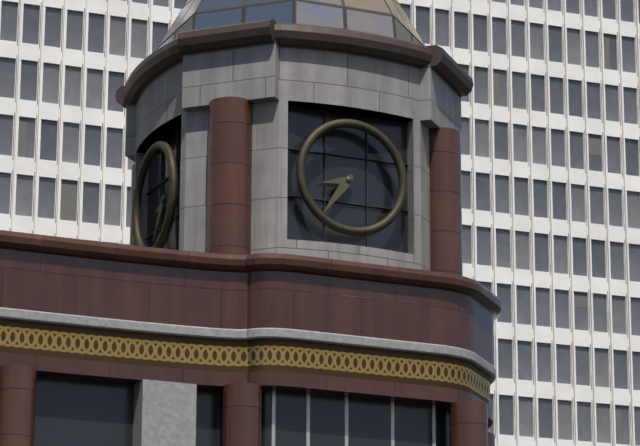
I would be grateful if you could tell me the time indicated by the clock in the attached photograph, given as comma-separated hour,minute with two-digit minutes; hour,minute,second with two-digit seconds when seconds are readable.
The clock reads 8,36
